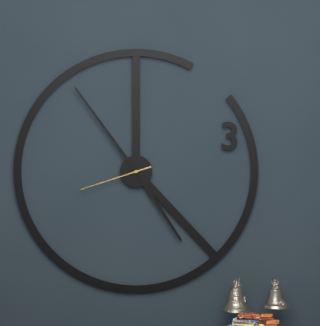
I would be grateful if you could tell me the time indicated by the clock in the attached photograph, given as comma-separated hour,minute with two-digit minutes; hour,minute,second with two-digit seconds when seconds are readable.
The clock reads 4,54,42
